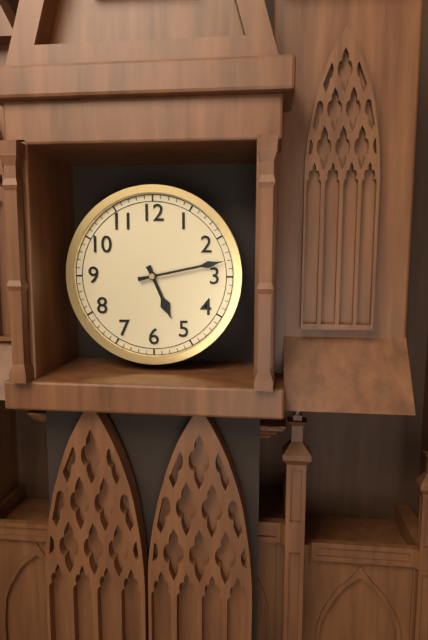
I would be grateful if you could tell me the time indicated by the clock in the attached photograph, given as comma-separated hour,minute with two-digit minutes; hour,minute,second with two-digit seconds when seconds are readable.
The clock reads 5,13
